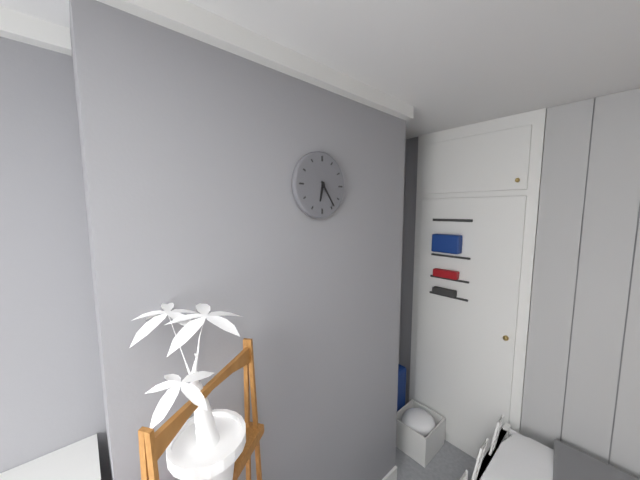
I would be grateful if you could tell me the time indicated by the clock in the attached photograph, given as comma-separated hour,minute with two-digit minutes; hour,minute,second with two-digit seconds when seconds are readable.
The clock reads 6,24
